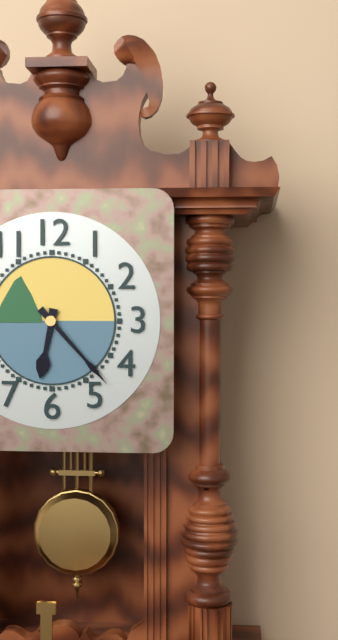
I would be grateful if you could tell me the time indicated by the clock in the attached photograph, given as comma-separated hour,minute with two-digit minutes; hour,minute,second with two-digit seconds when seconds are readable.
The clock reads 6,23
